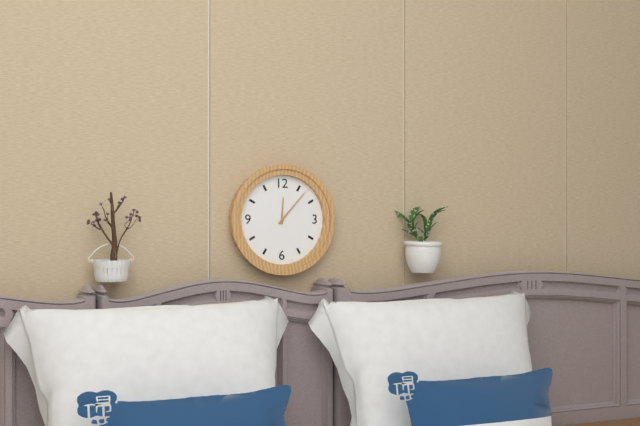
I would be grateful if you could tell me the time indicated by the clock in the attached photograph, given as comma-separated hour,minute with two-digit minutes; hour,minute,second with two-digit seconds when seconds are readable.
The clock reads 12,07
